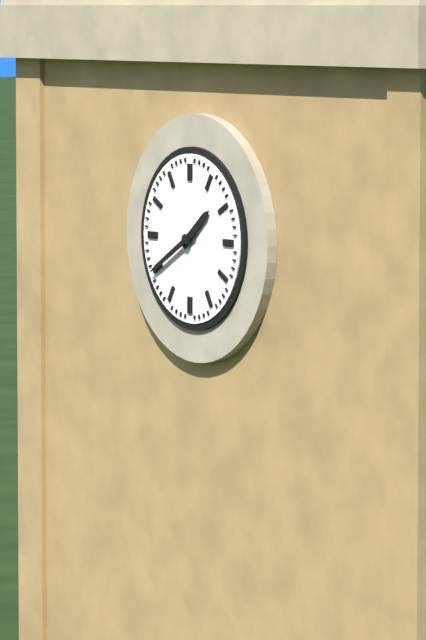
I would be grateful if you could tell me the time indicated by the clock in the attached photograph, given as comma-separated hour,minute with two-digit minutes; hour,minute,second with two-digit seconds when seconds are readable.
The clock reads 1,40
